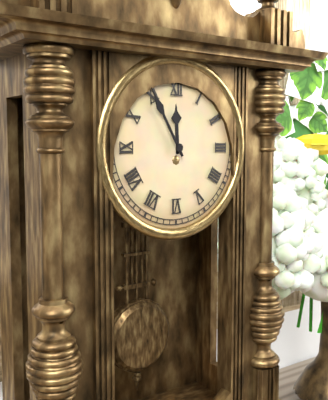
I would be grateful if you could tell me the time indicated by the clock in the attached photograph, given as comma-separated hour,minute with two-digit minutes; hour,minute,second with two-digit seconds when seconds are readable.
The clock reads 11,55
